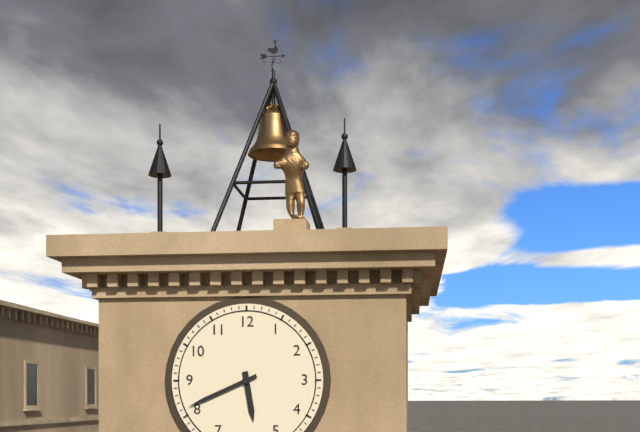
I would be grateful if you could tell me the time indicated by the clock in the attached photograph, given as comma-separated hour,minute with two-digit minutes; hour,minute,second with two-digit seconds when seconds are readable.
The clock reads 5,41
